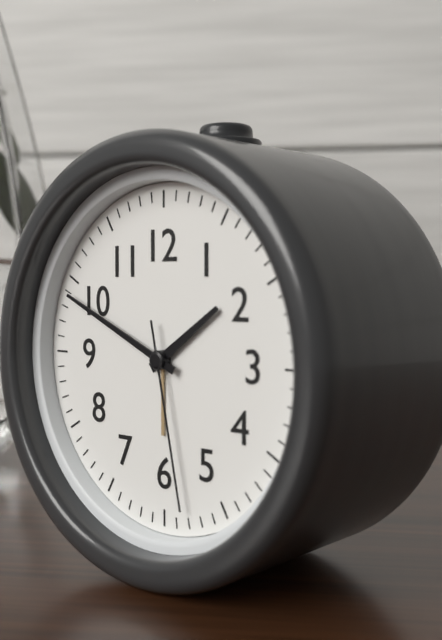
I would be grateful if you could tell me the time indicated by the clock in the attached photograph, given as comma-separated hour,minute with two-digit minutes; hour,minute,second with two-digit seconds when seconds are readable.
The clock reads 1,49,28
